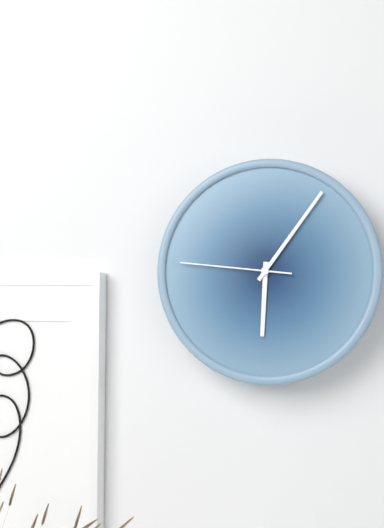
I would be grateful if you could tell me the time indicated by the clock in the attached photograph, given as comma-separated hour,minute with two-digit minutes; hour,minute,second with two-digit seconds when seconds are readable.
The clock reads 6,06,46
